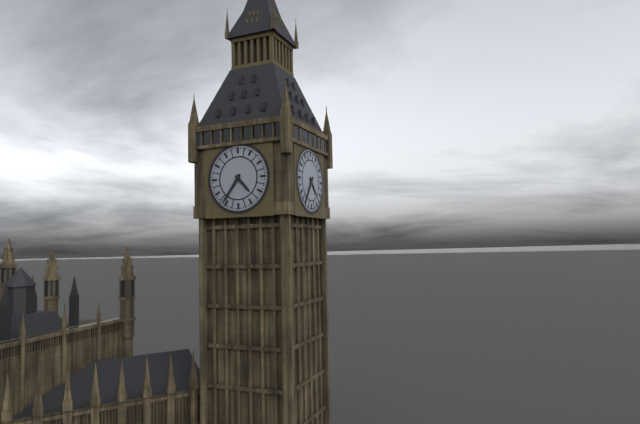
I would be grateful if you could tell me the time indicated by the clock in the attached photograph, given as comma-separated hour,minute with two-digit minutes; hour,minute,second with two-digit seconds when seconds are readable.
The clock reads 4,36
